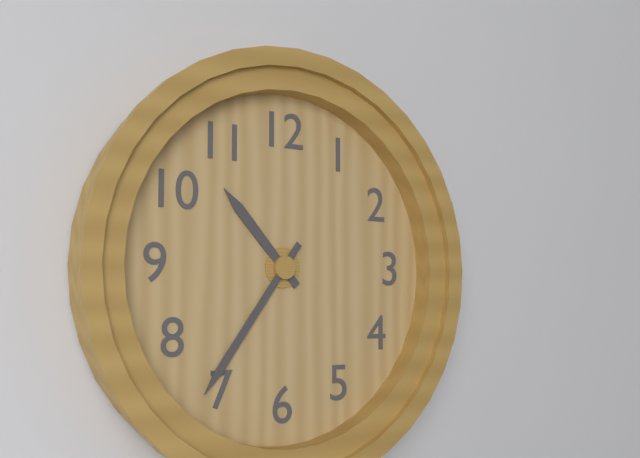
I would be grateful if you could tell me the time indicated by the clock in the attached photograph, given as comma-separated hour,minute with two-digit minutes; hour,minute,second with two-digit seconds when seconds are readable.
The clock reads 10,36
